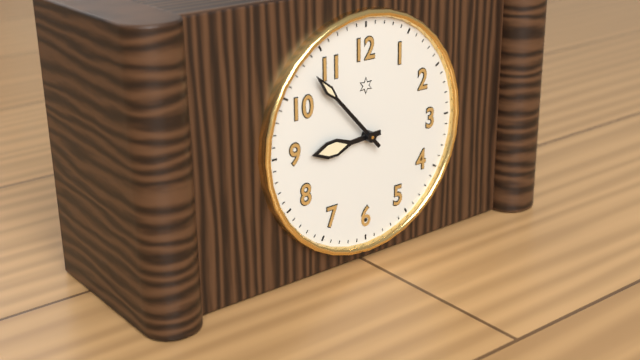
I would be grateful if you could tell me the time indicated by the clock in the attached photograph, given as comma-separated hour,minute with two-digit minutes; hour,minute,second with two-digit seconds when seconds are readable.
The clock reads 8,53
